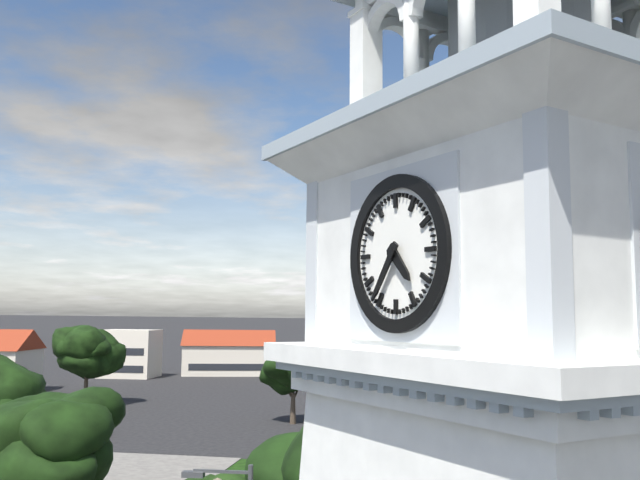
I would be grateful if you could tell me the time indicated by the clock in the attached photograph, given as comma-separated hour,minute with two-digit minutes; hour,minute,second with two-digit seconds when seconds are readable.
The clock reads 4,36
